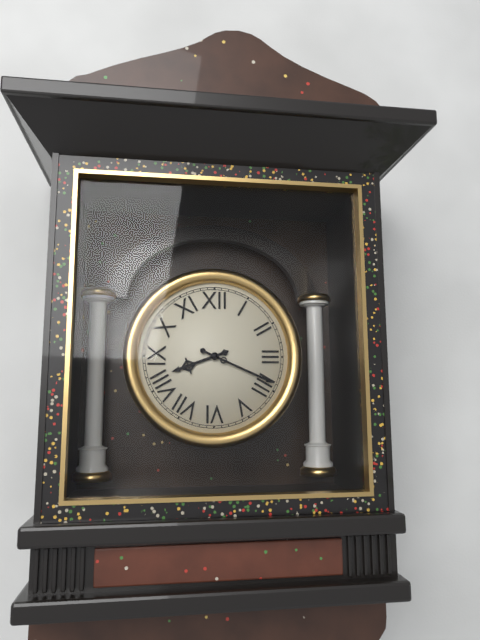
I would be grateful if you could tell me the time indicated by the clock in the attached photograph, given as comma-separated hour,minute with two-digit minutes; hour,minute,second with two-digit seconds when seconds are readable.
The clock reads 8,19
